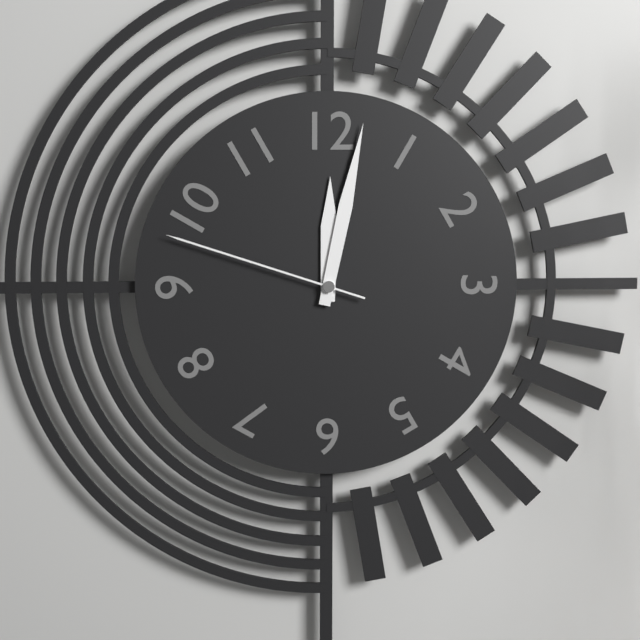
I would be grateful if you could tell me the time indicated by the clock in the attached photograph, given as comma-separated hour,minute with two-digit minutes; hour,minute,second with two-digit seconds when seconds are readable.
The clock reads 12,02,48
